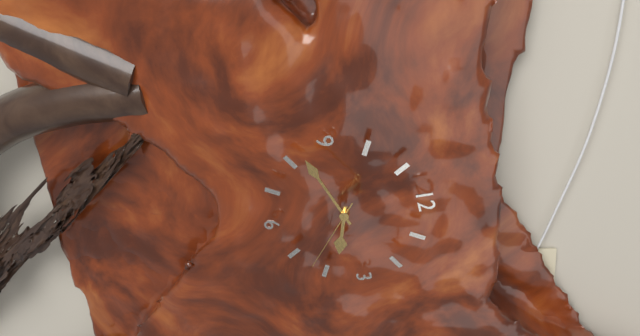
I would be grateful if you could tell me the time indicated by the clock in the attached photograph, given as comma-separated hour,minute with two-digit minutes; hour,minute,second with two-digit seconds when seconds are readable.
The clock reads 3,42,22
